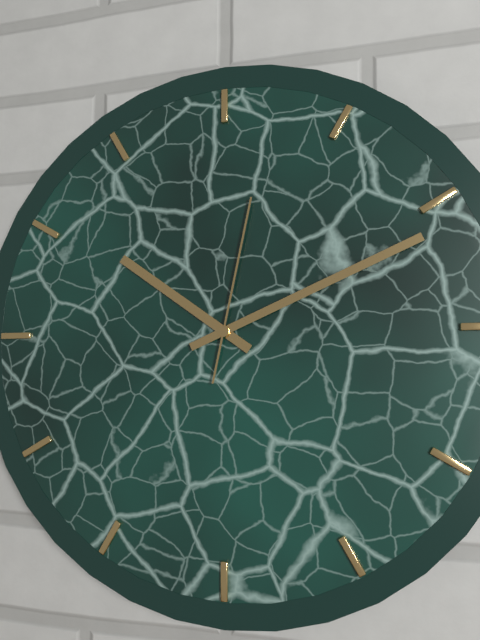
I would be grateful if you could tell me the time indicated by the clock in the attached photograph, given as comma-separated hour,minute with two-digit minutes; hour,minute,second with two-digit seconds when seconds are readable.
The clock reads 10,11,02
